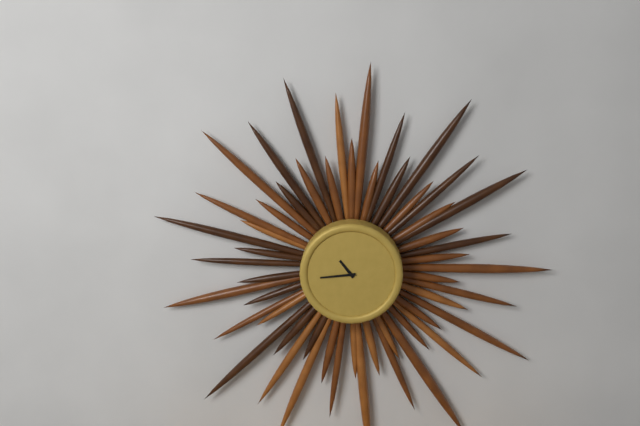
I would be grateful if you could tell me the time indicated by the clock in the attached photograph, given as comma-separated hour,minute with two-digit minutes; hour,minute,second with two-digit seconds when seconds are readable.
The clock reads 10,44
